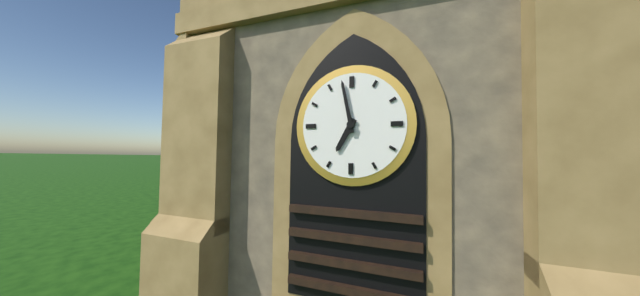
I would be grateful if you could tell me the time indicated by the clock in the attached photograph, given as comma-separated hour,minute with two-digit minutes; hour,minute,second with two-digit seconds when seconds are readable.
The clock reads 6,58
